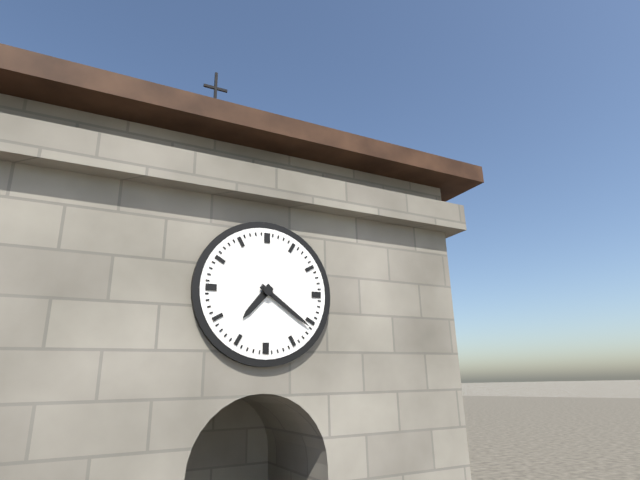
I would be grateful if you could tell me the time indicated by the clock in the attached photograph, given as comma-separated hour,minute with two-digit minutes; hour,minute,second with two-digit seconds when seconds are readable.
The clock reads 7,21
